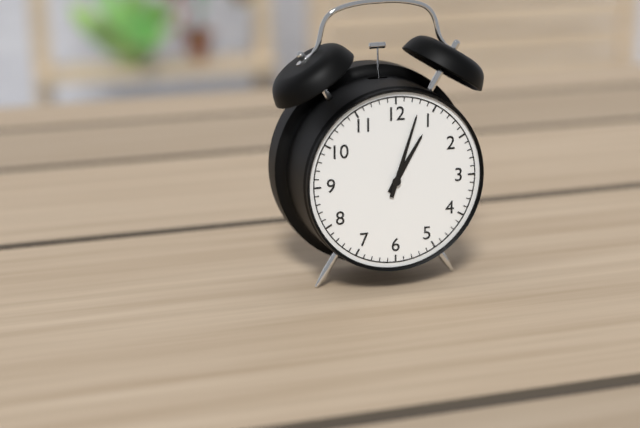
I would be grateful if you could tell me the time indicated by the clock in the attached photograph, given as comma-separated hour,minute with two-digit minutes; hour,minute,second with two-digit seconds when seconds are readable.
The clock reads 1,03
